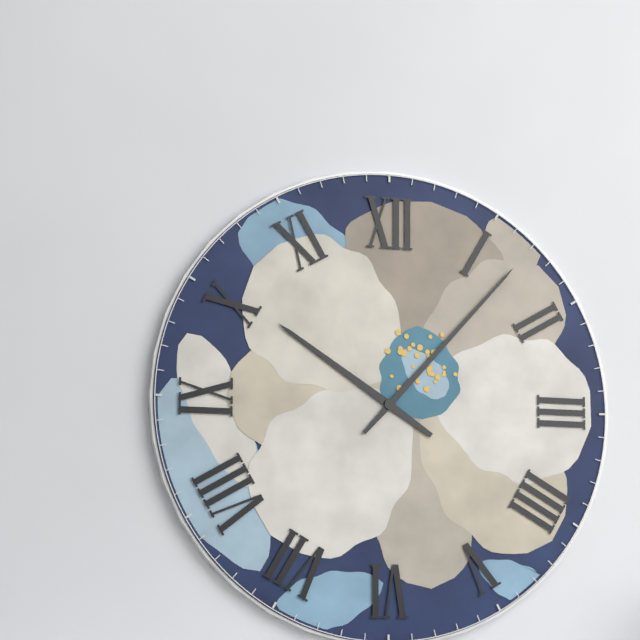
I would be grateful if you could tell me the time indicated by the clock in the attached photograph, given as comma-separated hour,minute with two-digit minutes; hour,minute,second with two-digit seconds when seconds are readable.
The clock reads 10,07
